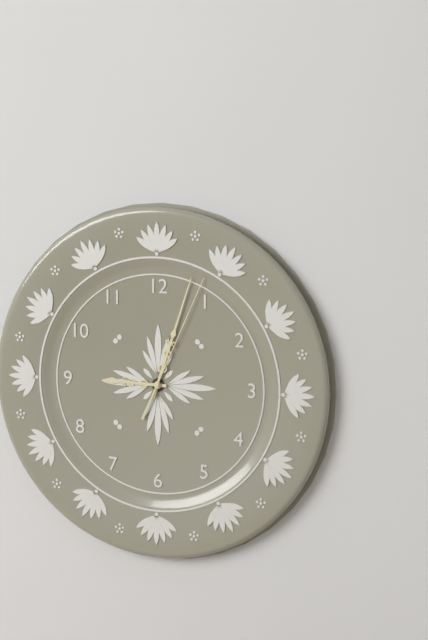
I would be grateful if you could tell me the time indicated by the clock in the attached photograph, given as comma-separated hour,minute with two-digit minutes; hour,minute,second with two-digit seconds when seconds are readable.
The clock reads 9,03,04
